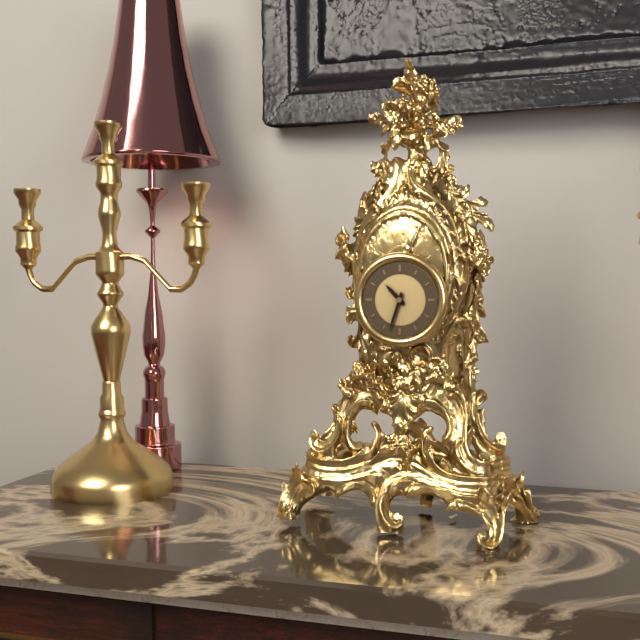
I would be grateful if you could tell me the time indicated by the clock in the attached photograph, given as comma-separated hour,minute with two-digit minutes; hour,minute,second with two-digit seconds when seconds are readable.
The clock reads 10,33
